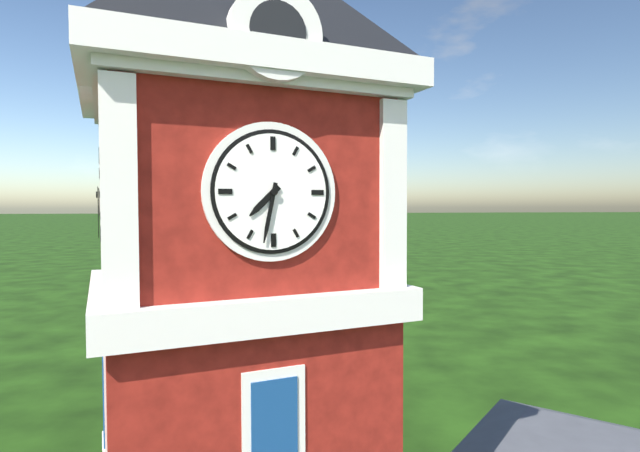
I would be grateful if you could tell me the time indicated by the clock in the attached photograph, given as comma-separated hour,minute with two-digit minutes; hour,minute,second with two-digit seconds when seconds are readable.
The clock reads 7,32
